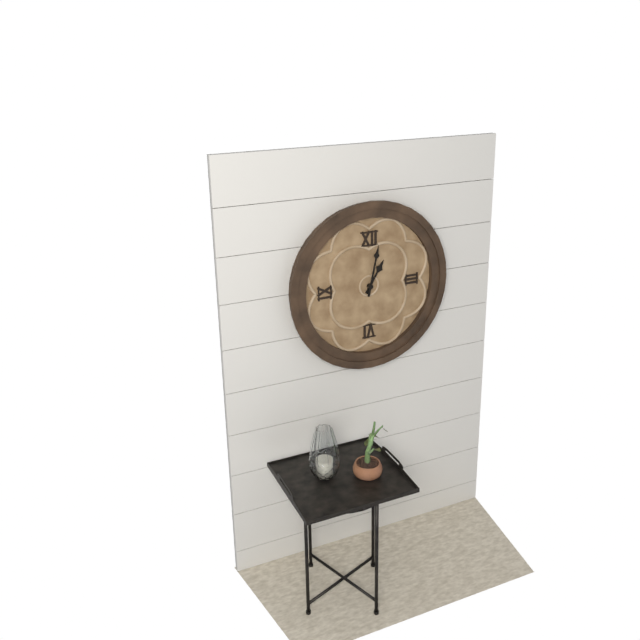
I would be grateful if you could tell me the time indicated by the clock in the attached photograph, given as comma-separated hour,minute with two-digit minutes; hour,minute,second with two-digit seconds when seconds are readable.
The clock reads 1,02
